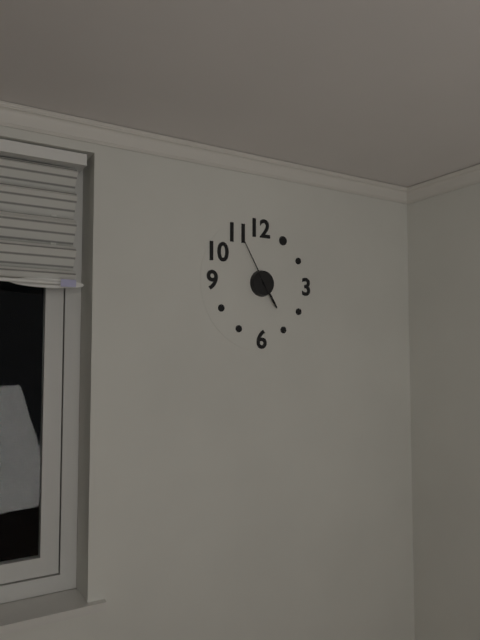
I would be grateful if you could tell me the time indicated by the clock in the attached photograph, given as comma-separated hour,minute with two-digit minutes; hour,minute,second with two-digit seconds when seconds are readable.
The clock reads 4,55
